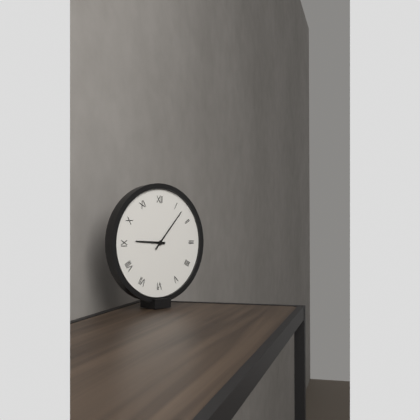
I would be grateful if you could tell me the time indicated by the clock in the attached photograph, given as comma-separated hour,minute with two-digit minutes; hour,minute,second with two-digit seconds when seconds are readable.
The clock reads 9,07
